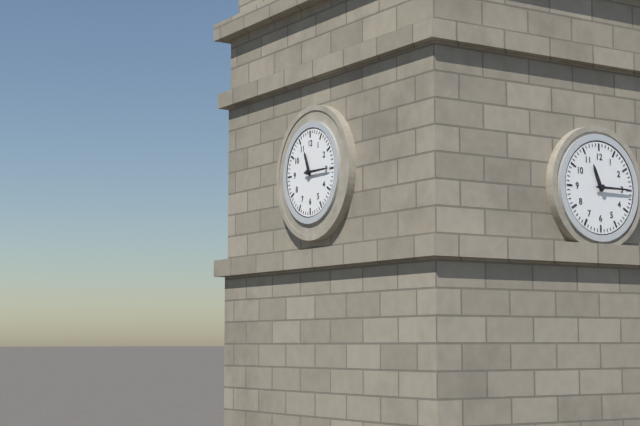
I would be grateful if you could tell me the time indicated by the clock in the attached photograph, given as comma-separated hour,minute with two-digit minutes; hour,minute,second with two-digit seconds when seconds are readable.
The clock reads 11,15
